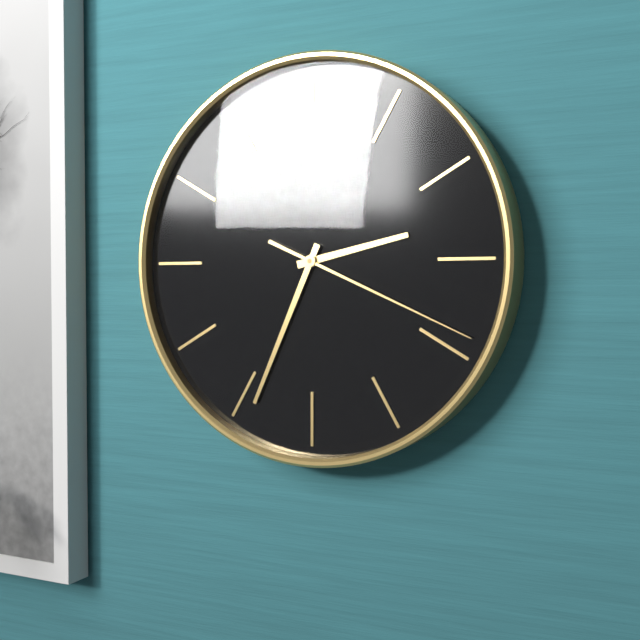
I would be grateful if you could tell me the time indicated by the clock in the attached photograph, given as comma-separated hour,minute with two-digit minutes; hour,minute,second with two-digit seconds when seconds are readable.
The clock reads 2,34,19
